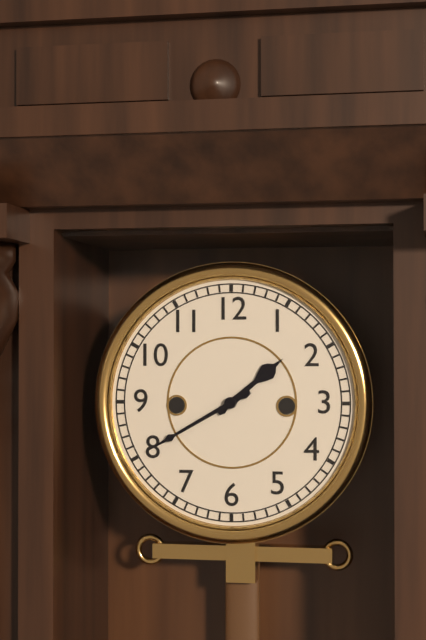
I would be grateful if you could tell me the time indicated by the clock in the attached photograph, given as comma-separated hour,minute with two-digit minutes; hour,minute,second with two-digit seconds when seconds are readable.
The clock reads 1,40
